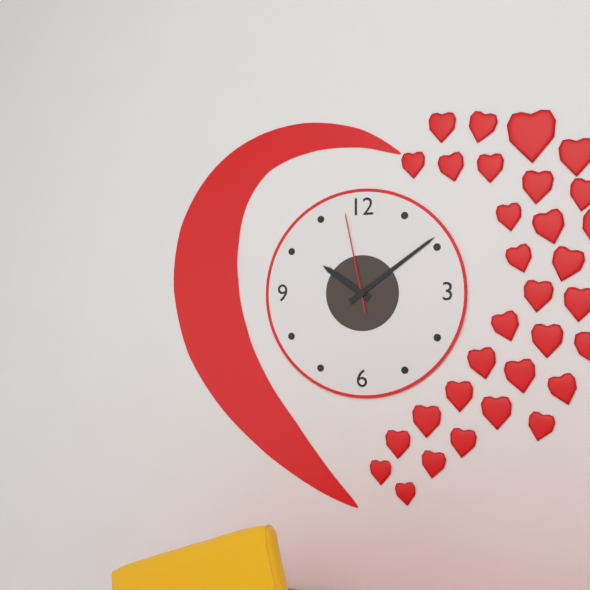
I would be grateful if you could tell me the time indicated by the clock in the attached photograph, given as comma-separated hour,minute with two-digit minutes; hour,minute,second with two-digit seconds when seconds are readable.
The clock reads 10,09,58
